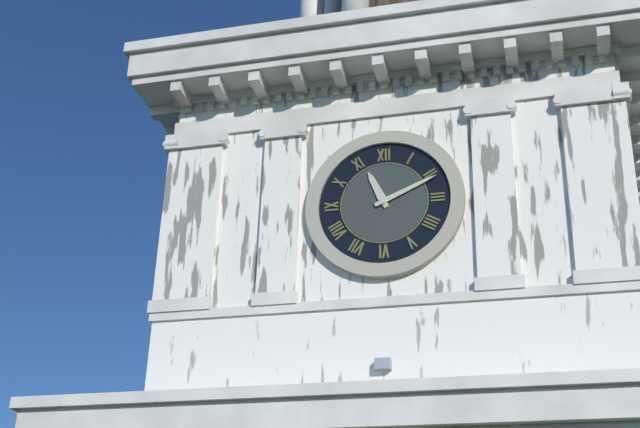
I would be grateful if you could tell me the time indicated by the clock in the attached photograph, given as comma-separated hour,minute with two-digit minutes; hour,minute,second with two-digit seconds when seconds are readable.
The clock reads 11,11
